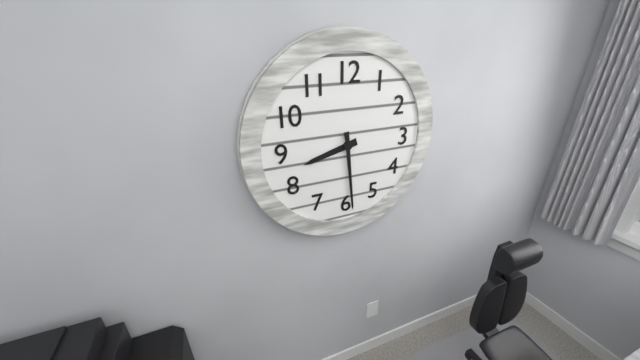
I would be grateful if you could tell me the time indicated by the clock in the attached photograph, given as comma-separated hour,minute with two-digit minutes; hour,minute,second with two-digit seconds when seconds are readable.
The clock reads 8,29
